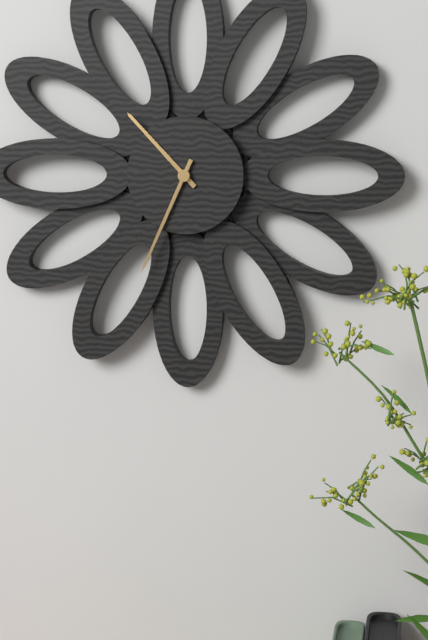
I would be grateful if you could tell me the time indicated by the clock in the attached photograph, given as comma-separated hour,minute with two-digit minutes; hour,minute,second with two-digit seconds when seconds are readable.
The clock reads 10,34
